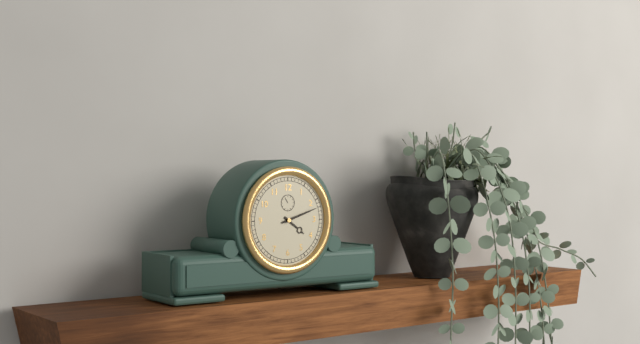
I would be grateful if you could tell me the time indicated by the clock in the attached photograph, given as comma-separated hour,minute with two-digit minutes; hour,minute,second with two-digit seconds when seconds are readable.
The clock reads 4,12
